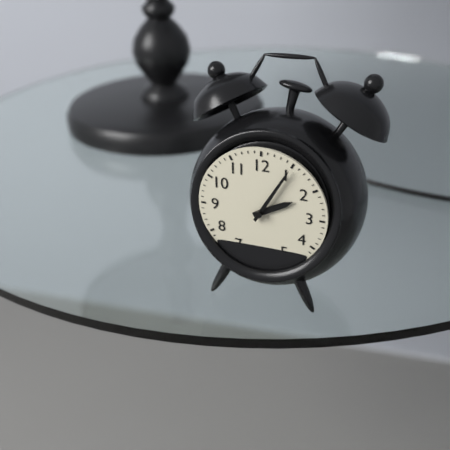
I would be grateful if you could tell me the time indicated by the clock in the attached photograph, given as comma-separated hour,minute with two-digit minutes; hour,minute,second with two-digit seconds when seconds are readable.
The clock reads 2,05
